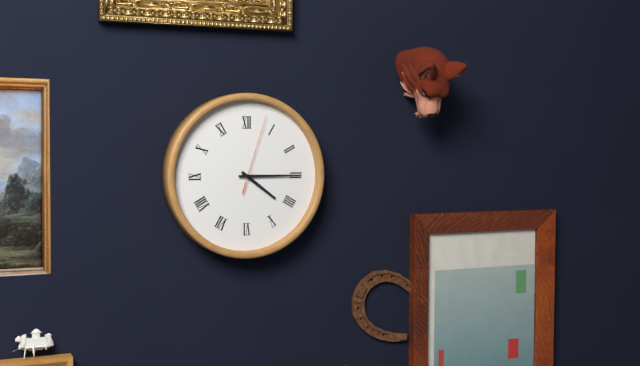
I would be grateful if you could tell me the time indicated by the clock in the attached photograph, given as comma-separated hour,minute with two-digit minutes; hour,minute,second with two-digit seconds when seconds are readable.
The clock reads 4,15,03
